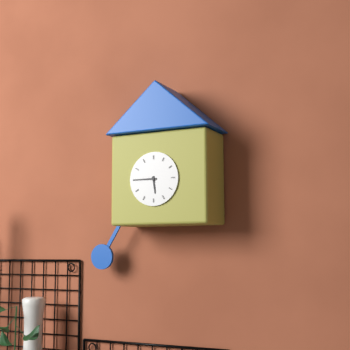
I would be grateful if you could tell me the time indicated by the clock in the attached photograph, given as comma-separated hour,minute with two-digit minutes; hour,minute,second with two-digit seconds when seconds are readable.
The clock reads 5,45
